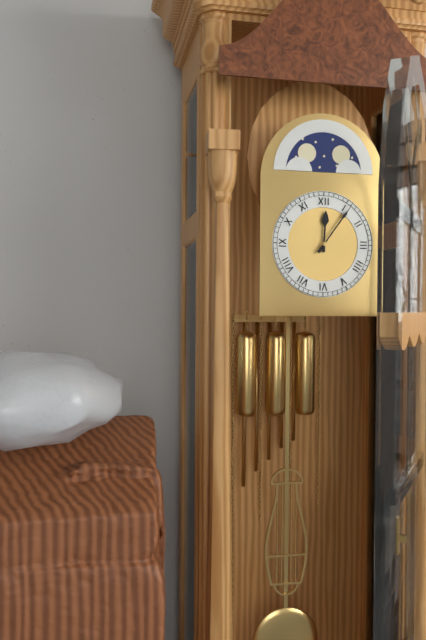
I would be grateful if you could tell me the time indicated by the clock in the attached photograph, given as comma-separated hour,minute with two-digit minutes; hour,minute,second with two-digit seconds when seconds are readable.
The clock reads 12,06
